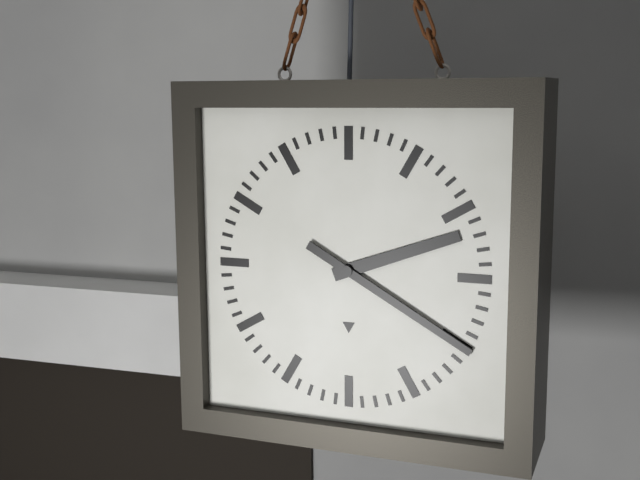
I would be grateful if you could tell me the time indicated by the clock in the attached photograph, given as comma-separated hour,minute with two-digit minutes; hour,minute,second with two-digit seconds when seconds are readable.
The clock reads 2,20
